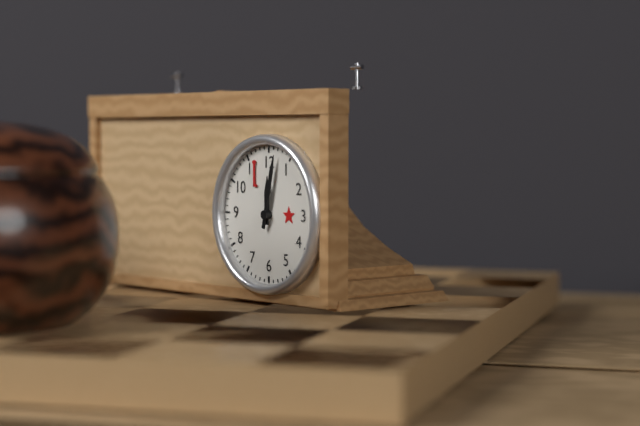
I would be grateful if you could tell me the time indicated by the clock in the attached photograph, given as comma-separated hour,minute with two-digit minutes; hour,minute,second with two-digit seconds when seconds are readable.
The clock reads 12,02
